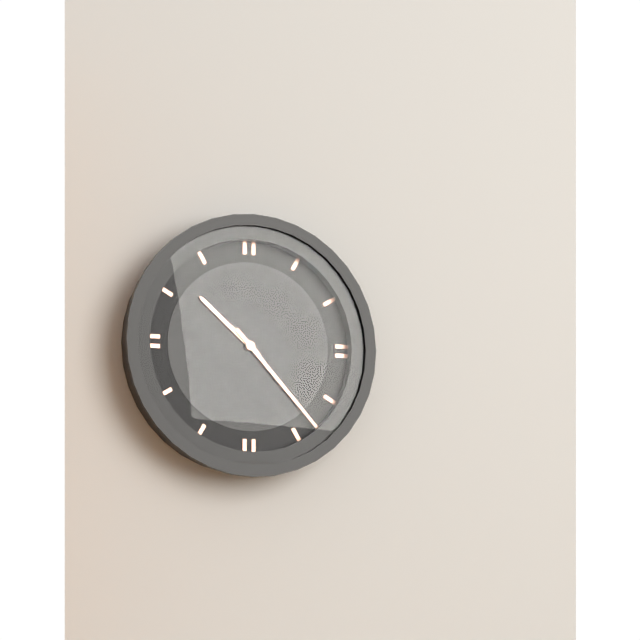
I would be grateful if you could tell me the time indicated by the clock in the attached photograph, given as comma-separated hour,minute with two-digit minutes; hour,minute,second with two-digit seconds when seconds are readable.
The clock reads 10,23
